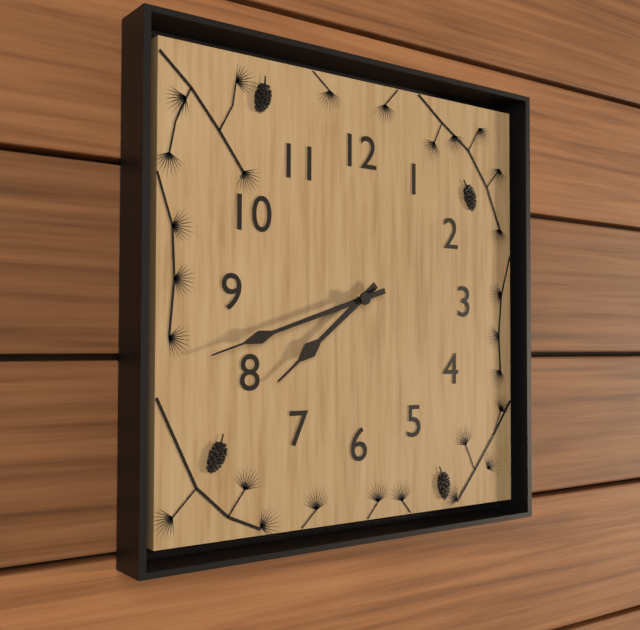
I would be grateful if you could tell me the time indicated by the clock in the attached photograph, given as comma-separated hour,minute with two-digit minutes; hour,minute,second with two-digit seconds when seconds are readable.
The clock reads 7,42
